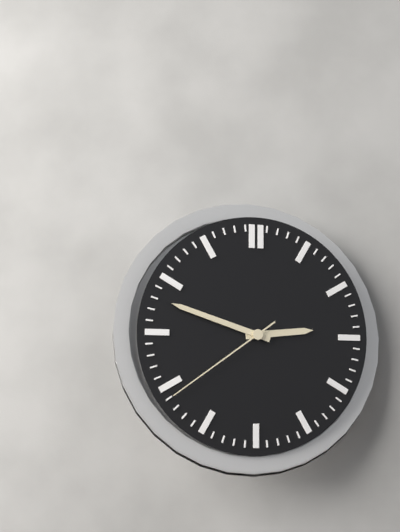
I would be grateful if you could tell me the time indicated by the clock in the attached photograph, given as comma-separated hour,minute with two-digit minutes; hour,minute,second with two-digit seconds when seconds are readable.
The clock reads 2,48,39
